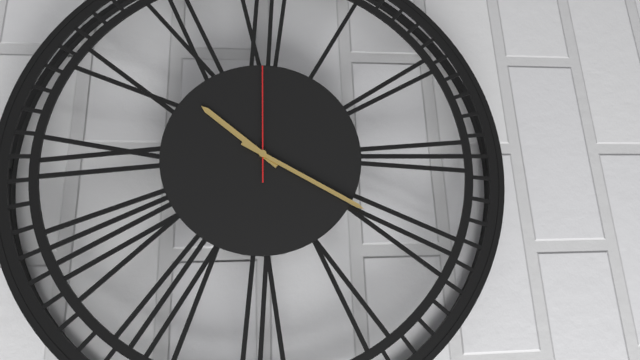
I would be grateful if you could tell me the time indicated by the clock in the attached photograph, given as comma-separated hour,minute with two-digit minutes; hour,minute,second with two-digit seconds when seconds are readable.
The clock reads 10,20,00
